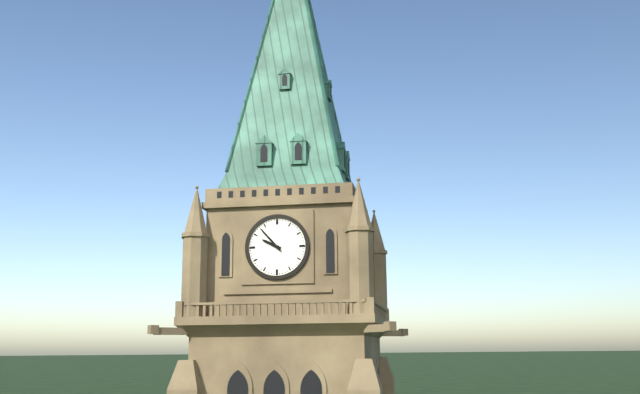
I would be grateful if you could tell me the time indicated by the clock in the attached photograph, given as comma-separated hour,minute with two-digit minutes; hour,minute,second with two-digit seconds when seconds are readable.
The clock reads 9,53
